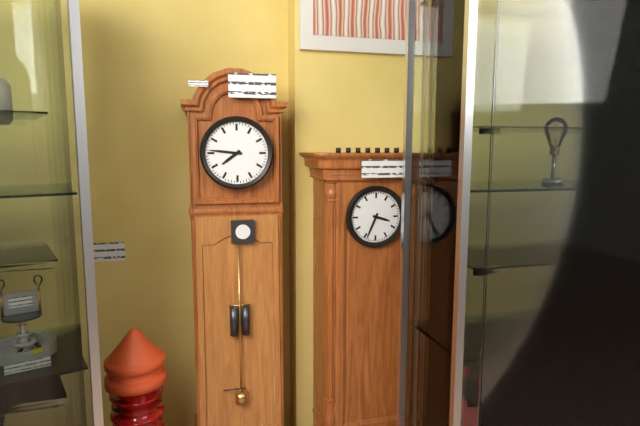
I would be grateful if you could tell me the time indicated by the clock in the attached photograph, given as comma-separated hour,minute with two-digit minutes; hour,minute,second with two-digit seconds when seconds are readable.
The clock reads 7,46
